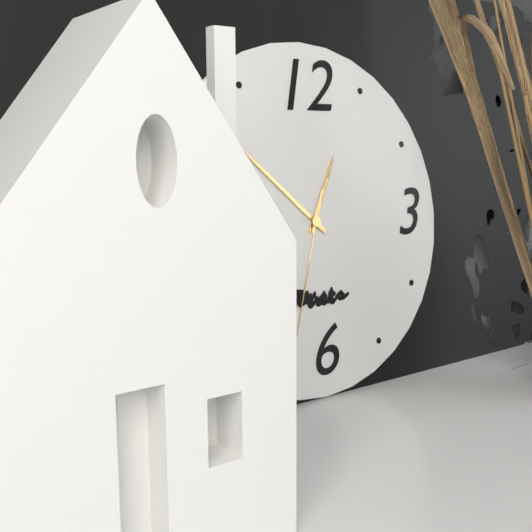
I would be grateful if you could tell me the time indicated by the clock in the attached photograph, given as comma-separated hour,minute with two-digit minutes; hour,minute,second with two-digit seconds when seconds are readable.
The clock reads 12,52,33
